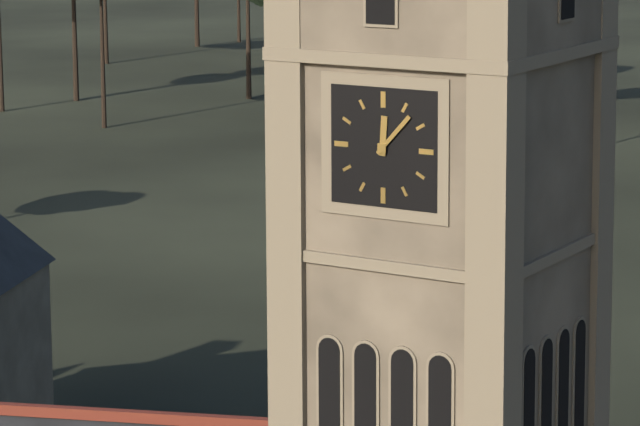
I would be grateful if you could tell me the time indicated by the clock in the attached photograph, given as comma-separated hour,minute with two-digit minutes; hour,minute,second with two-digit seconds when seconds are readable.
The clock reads 12,07
